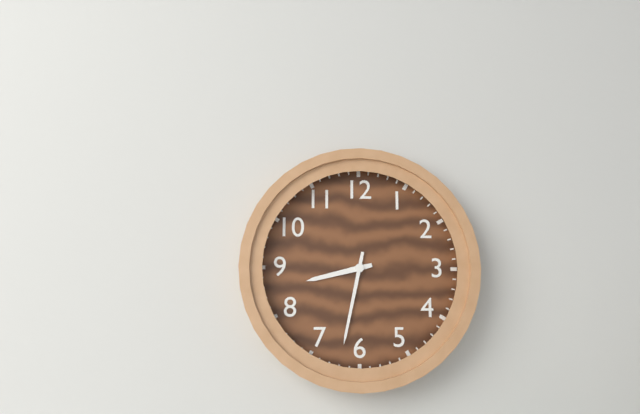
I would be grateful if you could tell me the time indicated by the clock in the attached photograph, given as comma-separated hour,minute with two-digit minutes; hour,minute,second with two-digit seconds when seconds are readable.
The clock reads 8,32
